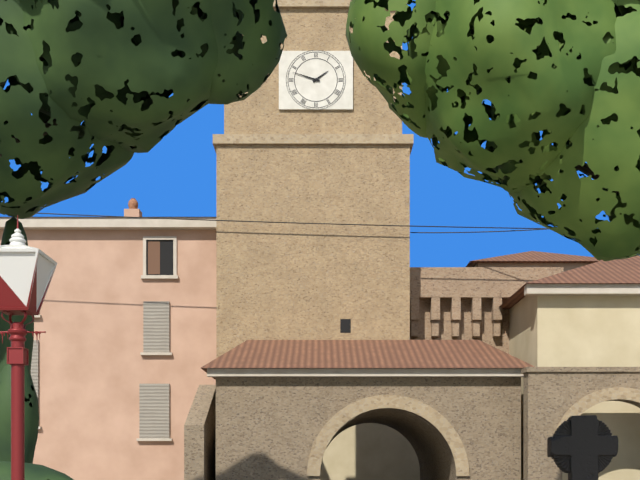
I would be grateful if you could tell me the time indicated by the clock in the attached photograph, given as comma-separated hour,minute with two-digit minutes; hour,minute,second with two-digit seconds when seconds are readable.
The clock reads 1,48
